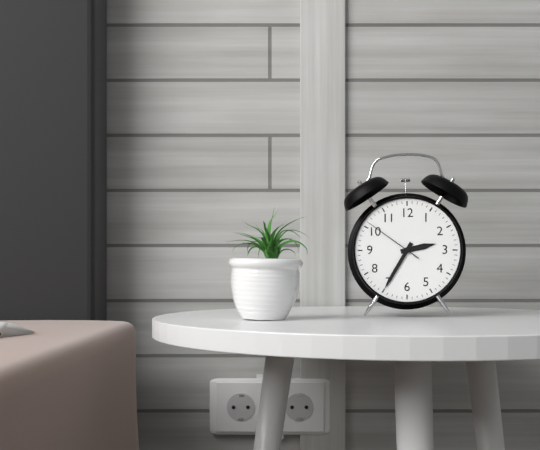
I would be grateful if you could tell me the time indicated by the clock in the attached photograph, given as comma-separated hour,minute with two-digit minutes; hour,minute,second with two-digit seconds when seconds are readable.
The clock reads 2,35,51
